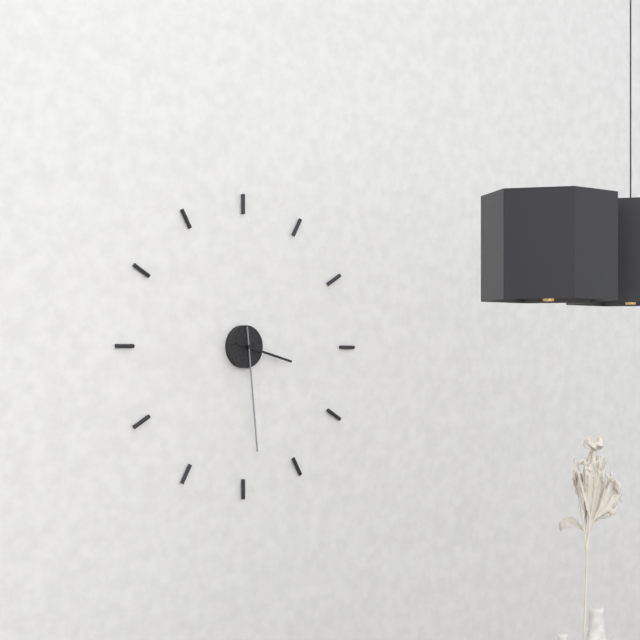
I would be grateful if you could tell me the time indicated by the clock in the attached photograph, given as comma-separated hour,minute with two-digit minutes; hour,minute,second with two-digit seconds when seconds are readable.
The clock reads 3,29
